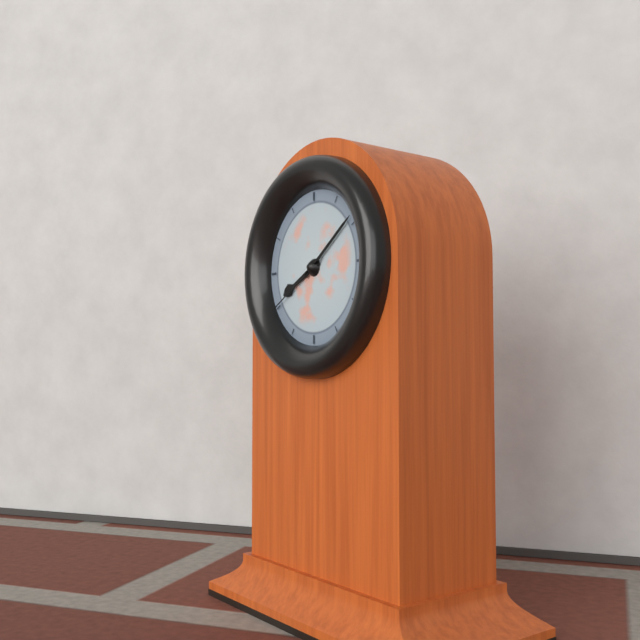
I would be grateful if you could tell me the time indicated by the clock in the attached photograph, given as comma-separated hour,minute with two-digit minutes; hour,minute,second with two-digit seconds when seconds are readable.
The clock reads 8,09,40
